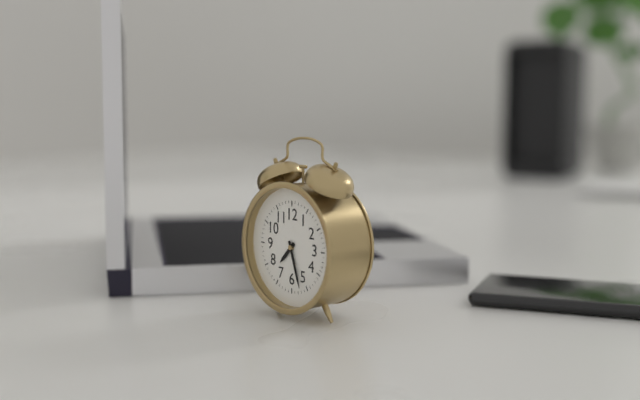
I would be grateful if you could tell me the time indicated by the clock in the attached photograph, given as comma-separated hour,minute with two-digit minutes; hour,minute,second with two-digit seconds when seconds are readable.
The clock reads 7,27
